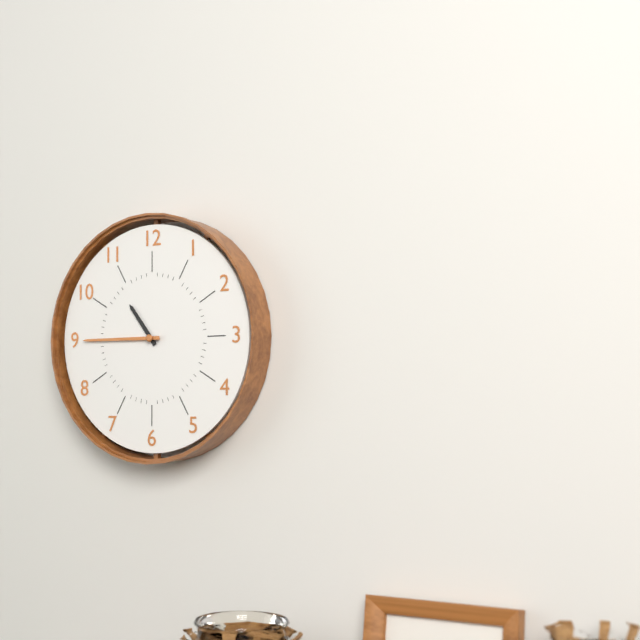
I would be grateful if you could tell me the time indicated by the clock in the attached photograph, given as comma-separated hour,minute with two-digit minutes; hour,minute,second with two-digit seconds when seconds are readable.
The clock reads 10,45
